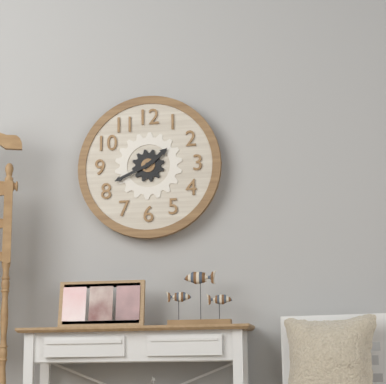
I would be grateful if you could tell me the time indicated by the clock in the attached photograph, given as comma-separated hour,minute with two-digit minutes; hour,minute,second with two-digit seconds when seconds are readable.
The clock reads 1,41
